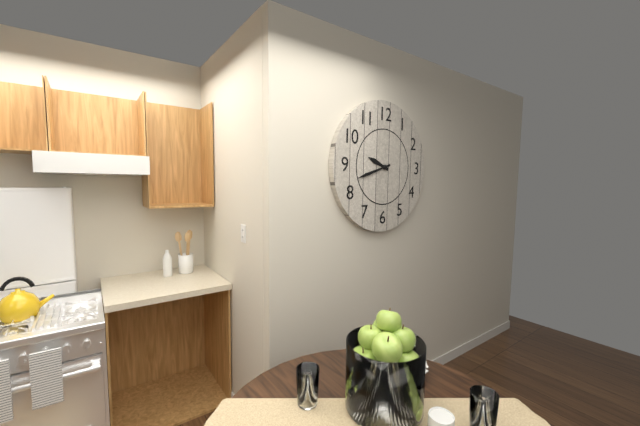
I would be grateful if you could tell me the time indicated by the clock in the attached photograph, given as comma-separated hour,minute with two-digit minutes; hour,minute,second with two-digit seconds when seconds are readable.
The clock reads 9,42
